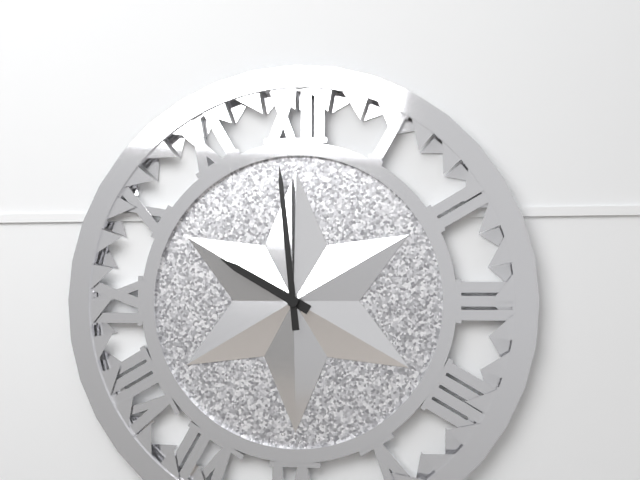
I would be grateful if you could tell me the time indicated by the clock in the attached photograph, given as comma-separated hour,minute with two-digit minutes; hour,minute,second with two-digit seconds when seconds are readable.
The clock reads 9,59
